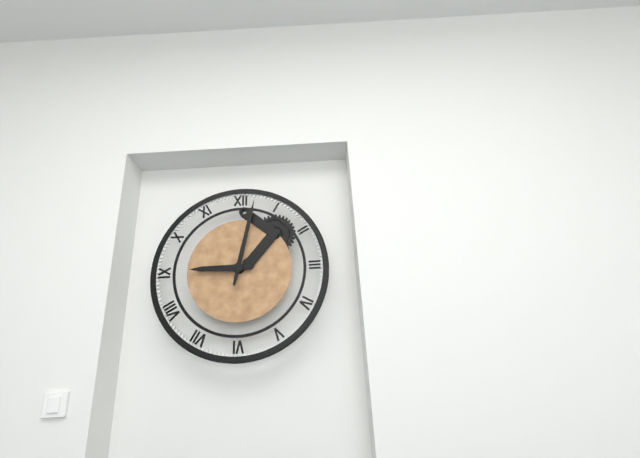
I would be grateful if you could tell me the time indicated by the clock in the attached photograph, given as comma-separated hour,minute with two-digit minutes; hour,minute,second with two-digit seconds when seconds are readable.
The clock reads 9,02
